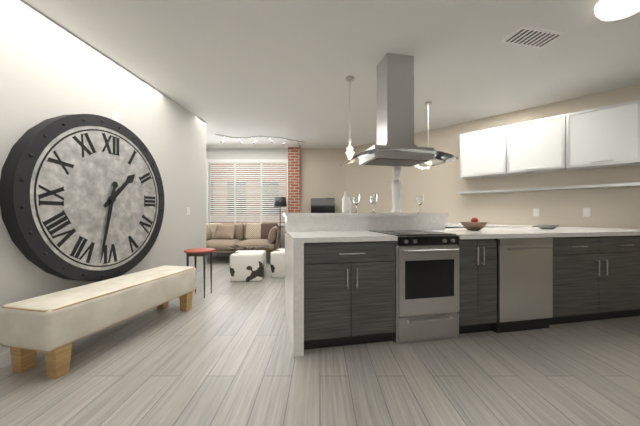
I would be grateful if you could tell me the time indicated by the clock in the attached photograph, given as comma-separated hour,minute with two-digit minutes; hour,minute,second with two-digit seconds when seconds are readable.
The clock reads 1,32
